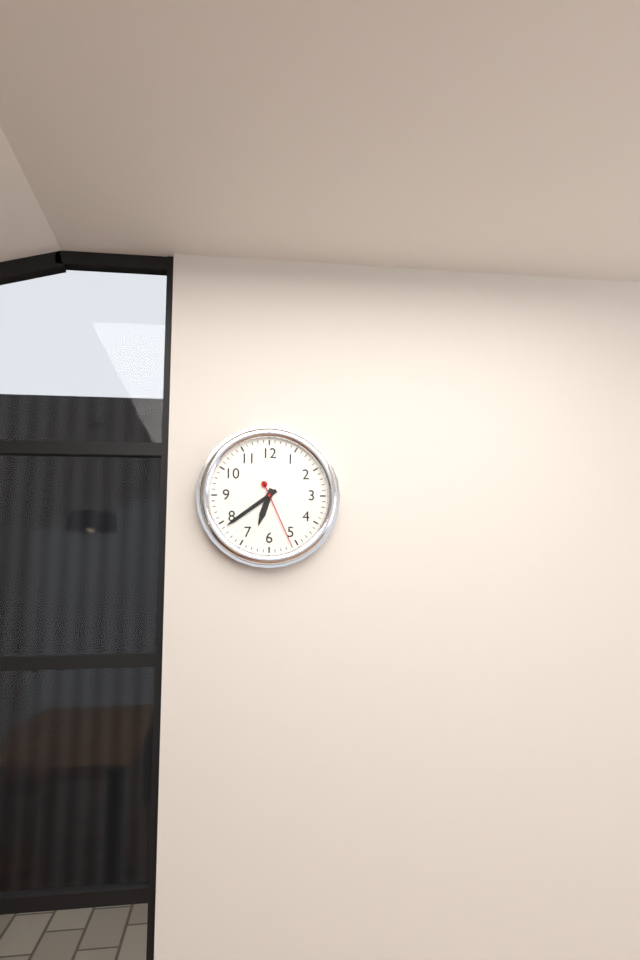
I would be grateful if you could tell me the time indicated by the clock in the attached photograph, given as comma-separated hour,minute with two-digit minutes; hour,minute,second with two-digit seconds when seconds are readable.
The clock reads 6,39,26
